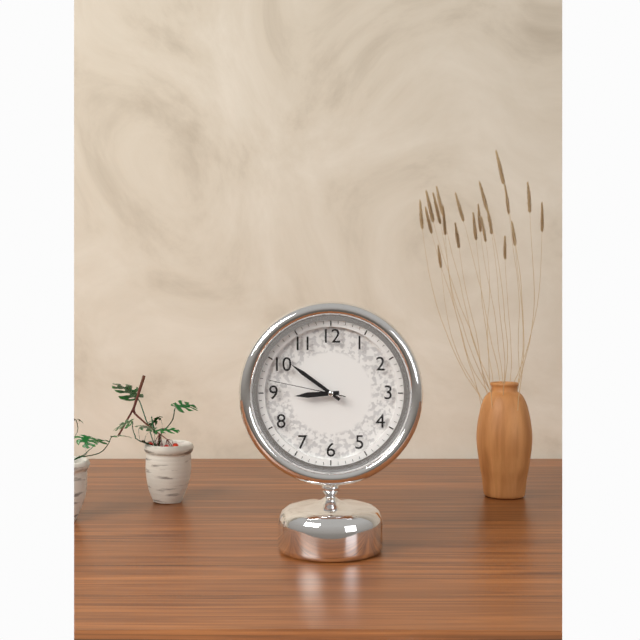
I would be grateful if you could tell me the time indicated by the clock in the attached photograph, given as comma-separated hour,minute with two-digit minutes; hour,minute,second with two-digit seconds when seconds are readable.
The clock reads 8,51,47
